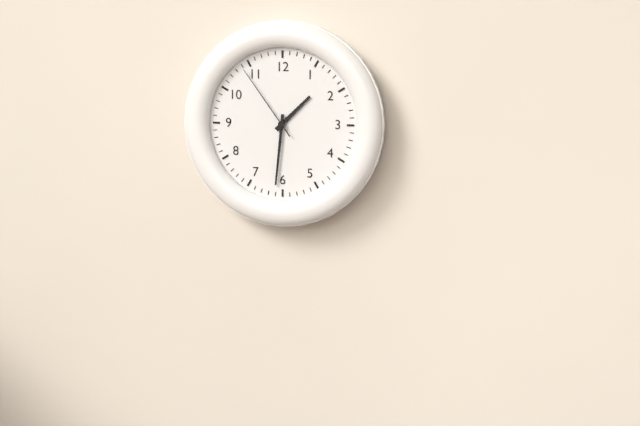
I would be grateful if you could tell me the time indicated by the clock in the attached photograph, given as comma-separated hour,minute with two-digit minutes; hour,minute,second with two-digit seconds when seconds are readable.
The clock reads 1,31,54
